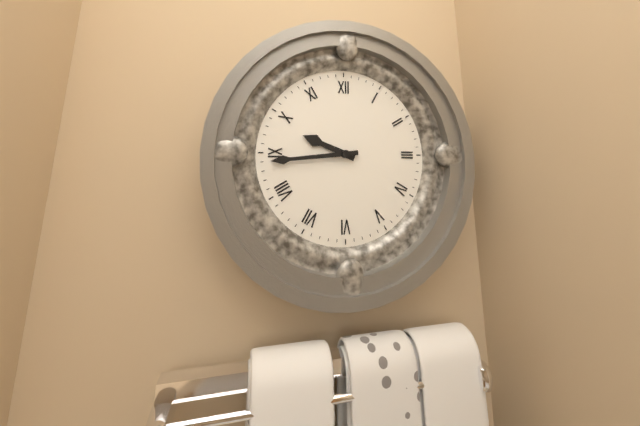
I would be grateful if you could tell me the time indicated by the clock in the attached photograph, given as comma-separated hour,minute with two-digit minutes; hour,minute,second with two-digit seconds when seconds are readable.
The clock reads 9,44
